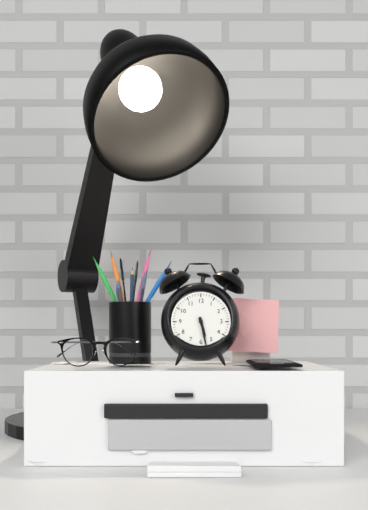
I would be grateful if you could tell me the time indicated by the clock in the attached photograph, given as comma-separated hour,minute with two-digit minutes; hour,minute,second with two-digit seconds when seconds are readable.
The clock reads 5,28
